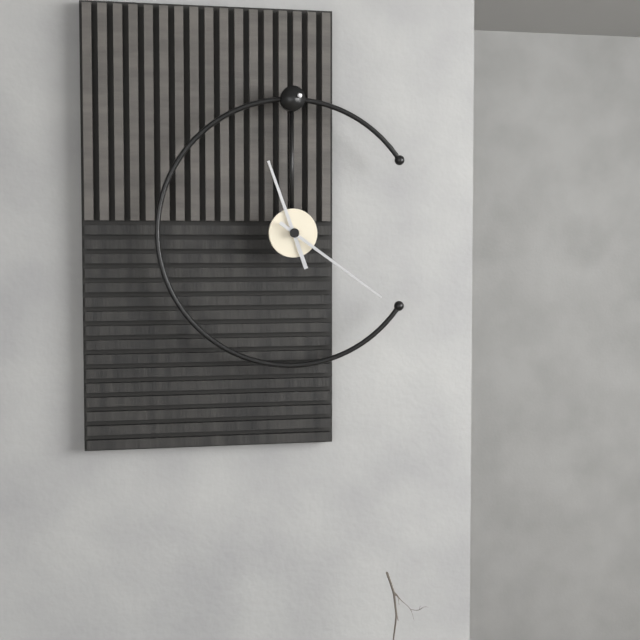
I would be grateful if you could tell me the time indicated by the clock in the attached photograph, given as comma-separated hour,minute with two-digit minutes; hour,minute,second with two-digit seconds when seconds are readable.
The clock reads 11,21
